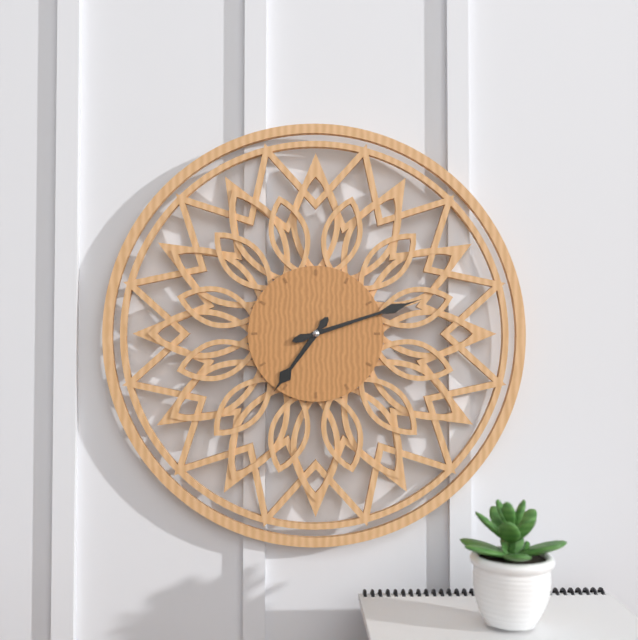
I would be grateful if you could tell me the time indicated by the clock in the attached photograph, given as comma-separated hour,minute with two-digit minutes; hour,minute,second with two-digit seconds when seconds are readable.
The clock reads 7,12
